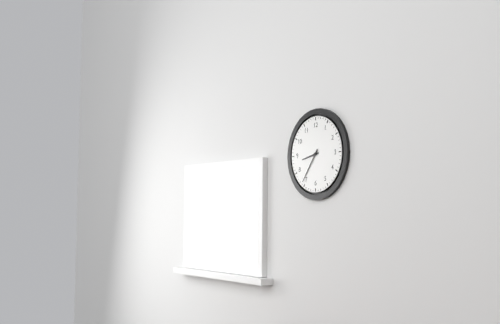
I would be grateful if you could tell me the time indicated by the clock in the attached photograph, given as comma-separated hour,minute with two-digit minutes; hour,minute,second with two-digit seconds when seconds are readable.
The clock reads 8,36
